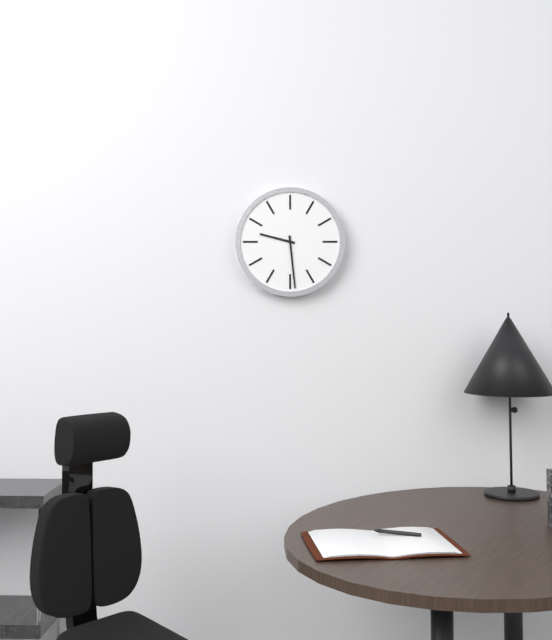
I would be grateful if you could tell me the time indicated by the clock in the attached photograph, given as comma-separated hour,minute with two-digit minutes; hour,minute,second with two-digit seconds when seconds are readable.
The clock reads 9,29
